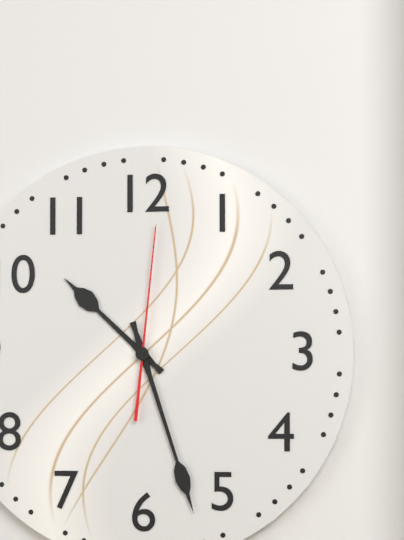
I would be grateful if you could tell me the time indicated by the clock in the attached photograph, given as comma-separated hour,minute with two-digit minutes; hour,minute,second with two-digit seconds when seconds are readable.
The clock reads 10,27,01
